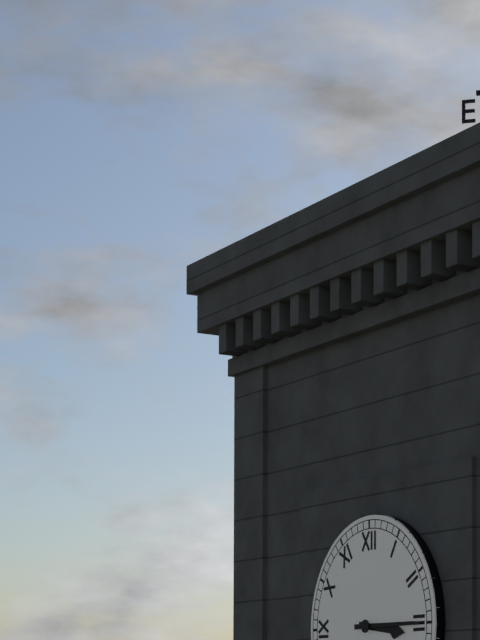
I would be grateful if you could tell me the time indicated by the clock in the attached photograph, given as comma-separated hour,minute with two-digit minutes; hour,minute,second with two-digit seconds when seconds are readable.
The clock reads 3,15
